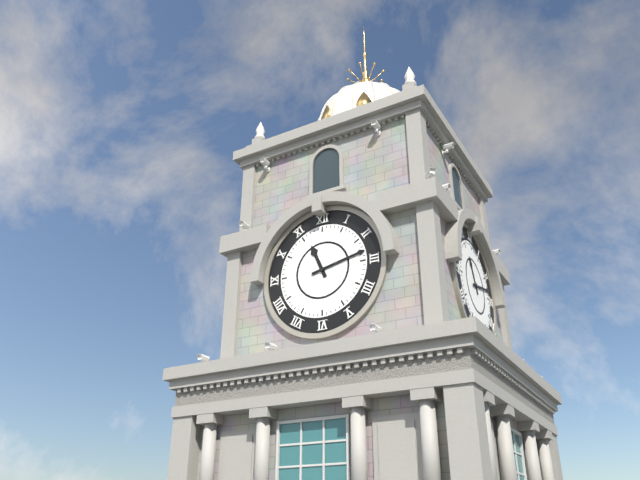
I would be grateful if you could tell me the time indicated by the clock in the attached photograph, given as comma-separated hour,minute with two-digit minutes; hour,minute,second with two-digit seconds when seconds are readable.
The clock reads 11,13
